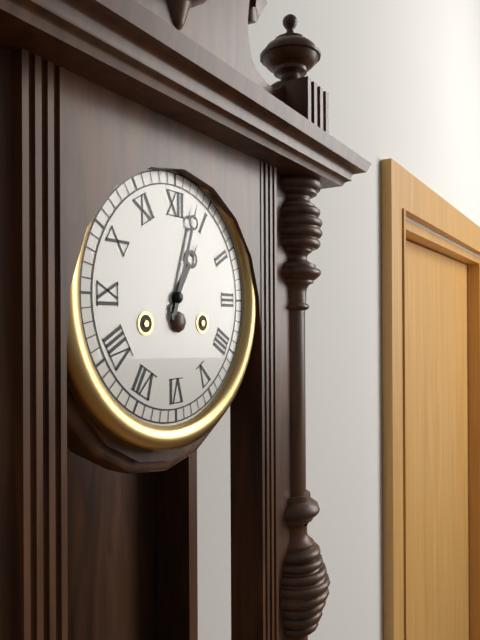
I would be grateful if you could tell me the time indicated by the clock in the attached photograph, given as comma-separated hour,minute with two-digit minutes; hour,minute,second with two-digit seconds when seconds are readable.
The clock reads 1,03
